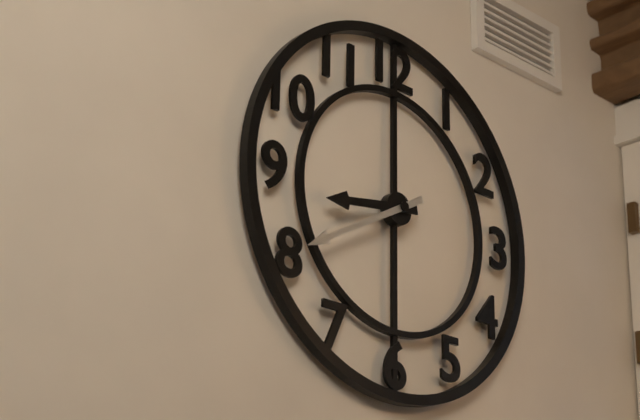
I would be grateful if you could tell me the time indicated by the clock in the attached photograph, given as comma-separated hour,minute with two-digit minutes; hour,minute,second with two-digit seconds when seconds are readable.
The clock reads 8,40
